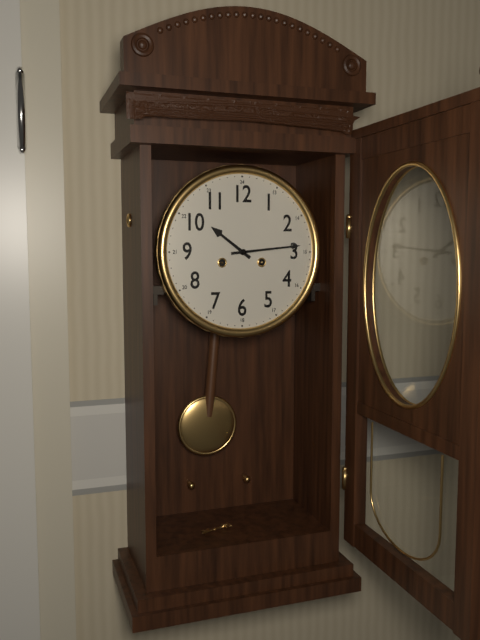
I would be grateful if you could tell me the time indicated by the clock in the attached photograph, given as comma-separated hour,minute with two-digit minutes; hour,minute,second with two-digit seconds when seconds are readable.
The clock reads 10,14
